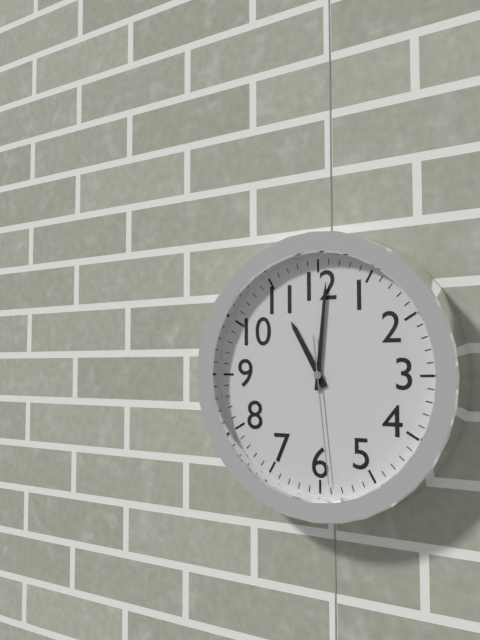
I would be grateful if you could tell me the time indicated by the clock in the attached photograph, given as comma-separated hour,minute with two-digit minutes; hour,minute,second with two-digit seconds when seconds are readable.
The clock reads 11,01,29
